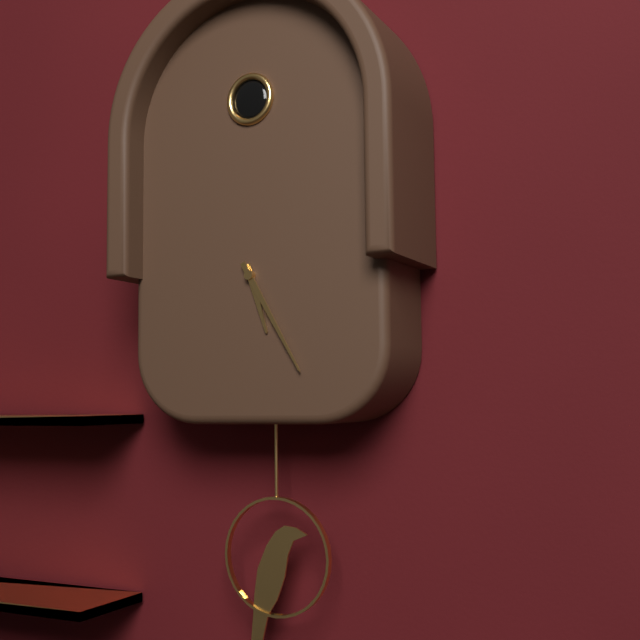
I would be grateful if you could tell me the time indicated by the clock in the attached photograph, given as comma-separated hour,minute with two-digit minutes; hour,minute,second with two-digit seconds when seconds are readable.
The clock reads 5,25
